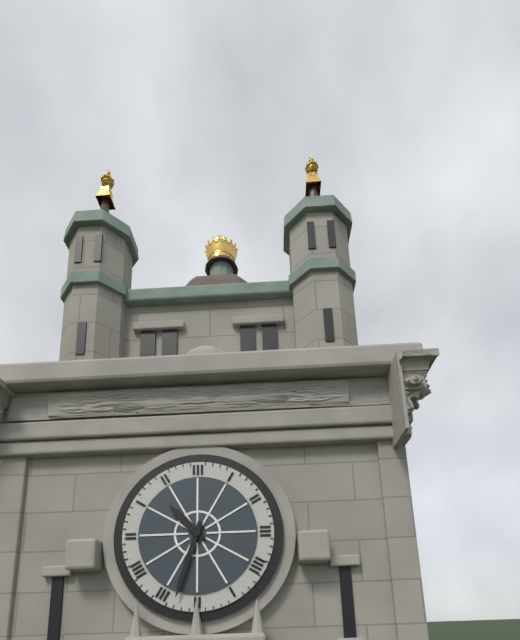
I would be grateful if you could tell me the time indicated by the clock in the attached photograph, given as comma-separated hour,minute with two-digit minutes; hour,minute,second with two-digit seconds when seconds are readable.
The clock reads 10,33
